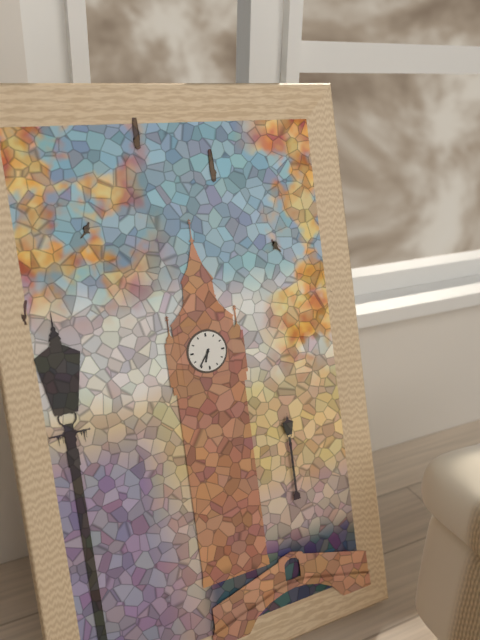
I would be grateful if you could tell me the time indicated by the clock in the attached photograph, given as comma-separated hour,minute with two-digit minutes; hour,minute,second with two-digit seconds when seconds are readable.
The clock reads 6,36
